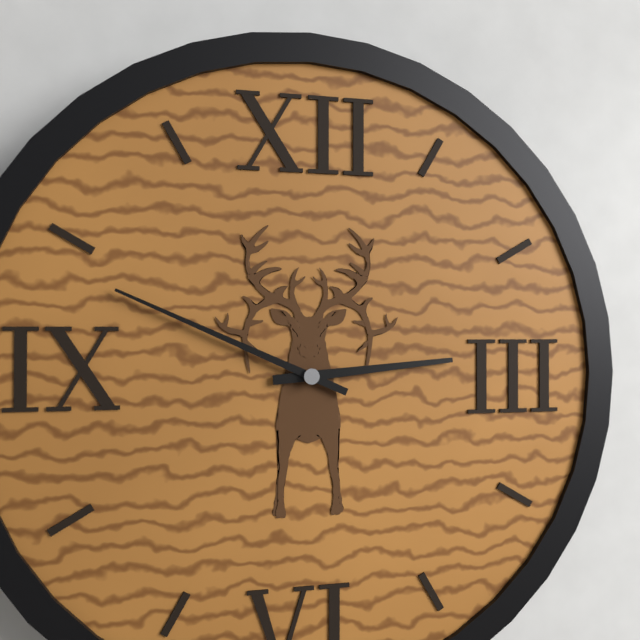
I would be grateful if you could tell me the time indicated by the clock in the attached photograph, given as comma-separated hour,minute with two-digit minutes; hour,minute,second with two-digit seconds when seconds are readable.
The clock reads 2,49
